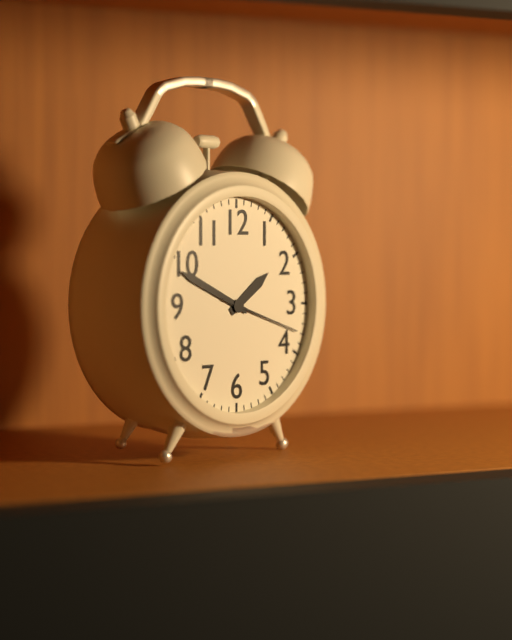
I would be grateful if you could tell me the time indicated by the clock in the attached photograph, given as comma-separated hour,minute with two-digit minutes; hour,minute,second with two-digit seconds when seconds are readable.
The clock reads 1,49,18
